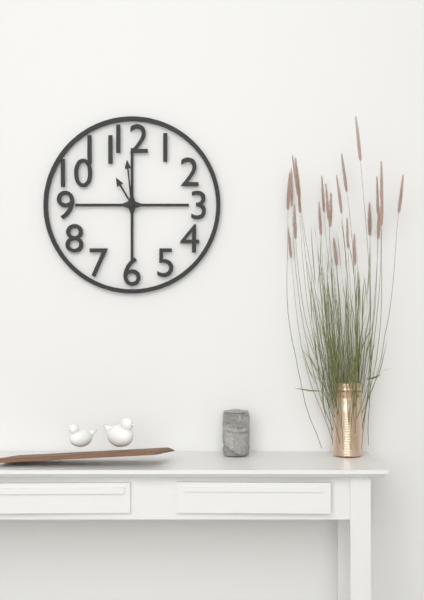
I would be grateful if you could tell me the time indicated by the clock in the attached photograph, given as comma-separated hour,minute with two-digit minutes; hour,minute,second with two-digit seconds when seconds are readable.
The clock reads 10,59
